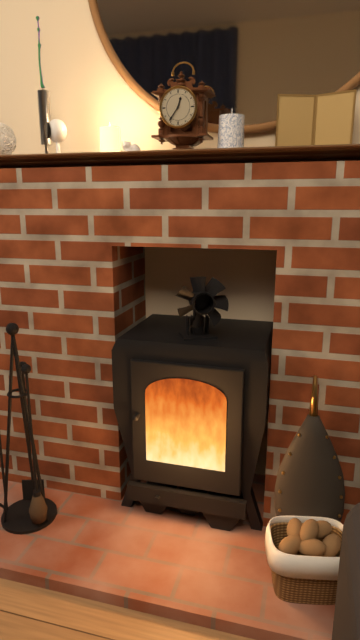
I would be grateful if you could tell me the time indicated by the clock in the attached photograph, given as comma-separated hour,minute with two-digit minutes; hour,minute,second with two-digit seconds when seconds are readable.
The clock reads 12,36
